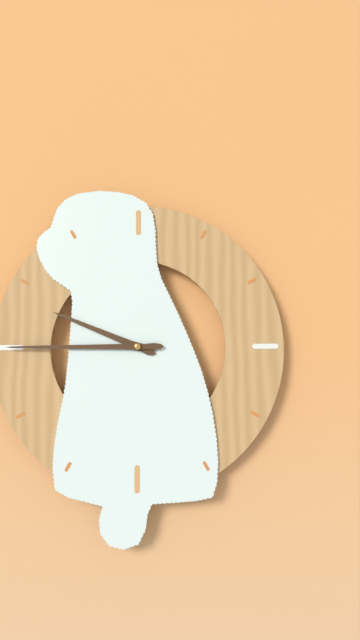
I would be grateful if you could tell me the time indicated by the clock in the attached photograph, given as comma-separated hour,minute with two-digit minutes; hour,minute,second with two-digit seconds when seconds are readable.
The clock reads 9,45
